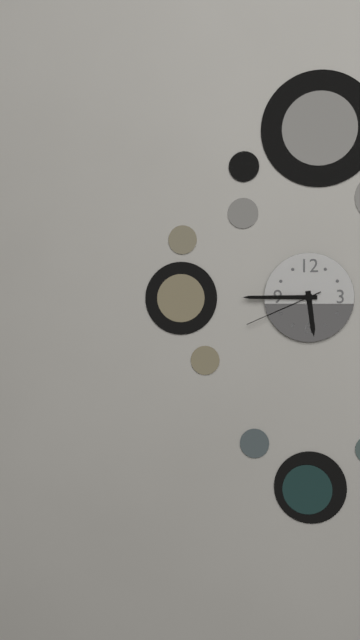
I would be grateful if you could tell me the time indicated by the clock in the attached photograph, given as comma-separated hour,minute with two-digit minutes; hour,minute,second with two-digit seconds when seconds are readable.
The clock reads 5,45,41
